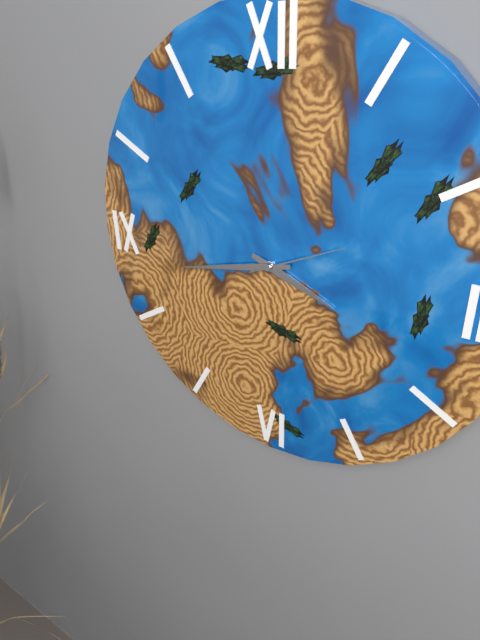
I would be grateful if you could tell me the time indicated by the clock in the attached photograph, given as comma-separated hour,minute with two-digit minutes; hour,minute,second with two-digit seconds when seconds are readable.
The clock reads 3,43,11
